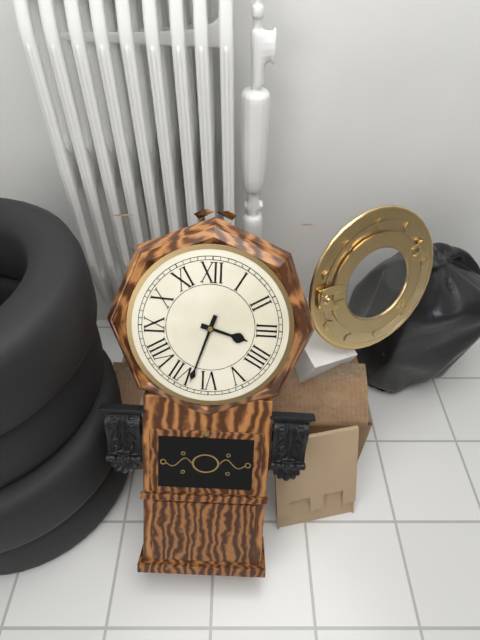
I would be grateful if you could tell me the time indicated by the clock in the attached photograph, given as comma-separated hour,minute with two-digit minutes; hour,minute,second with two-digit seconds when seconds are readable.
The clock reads 3,33
